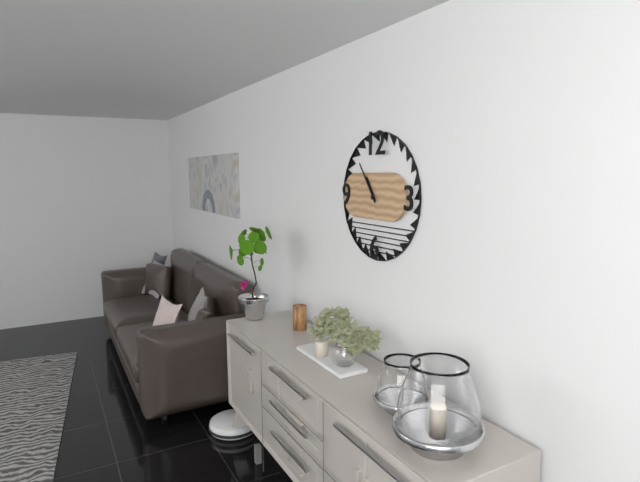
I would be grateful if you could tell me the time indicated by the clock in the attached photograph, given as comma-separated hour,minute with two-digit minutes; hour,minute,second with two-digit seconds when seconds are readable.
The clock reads 10,54
